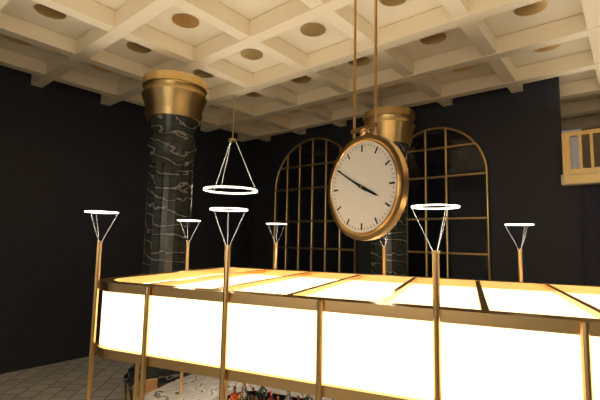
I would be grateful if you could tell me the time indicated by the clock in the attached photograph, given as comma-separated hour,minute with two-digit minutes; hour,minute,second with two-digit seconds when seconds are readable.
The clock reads 3,50
